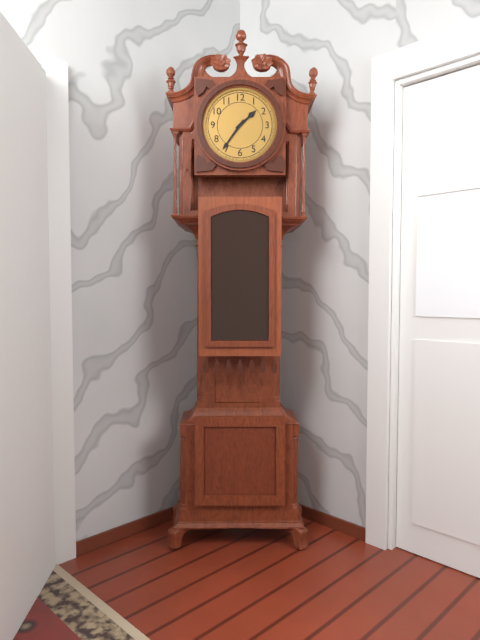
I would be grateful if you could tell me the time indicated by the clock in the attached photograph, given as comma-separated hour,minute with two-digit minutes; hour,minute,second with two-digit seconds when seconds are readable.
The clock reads 1,36
